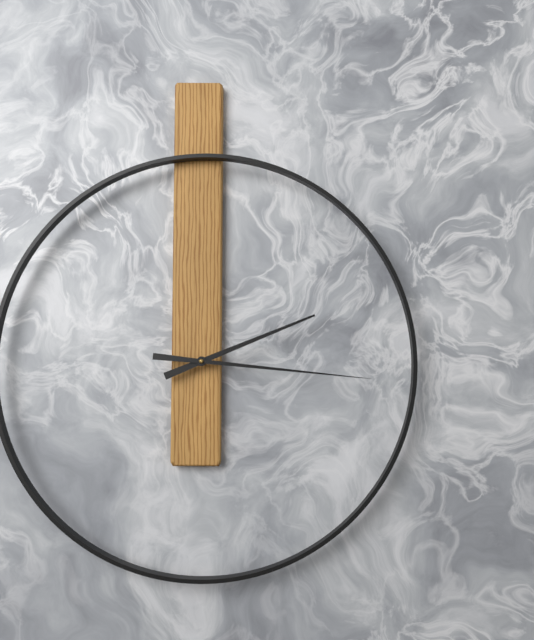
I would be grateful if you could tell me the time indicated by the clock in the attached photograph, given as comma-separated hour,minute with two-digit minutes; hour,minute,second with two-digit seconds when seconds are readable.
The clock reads 2,16
